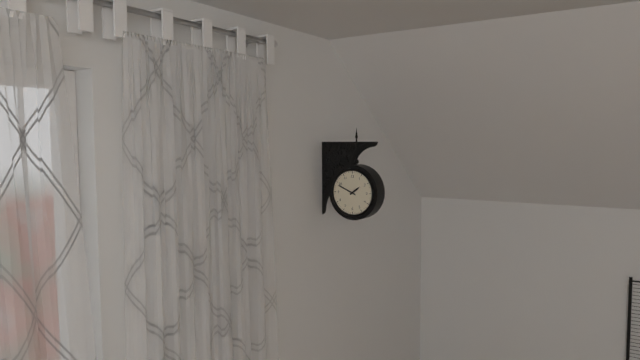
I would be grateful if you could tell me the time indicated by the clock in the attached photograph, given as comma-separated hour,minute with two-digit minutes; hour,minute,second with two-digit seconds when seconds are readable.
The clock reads 1,49
